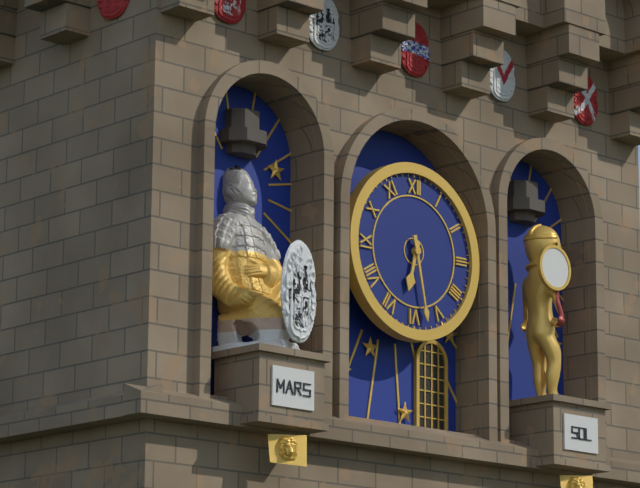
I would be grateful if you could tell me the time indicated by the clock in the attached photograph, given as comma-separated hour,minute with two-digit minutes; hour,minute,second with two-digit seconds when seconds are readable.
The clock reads 6,28
